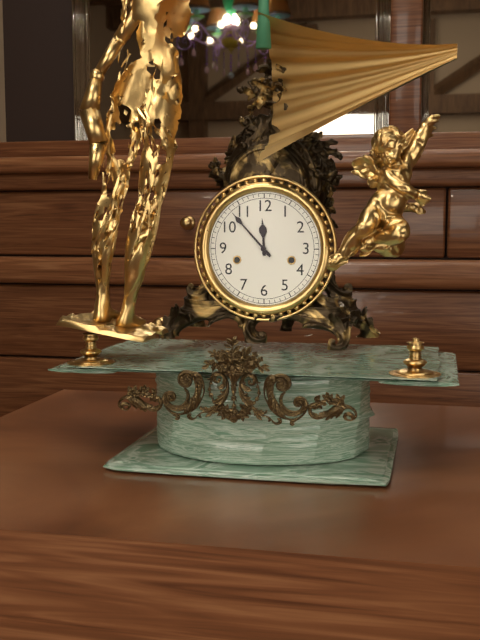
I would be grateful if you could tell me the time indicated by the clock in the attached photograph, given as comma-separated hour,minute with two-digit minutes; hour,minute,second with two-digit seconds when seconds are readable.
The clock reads 11,53
